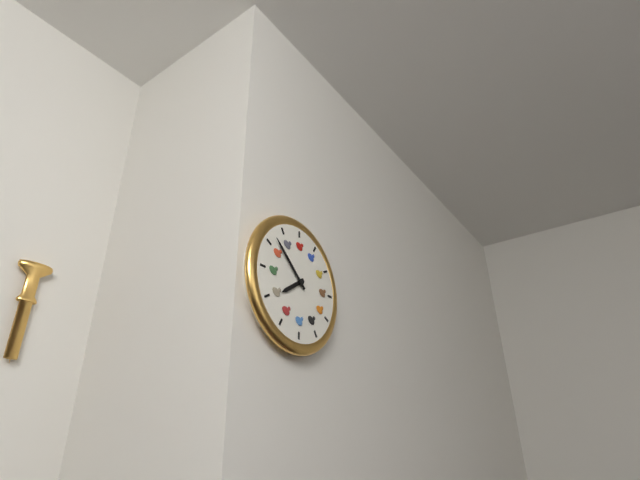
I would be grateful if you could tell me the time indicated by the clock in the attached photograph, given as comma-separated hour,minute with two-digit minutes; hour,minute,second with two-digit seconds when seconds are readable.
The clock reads 7,52
